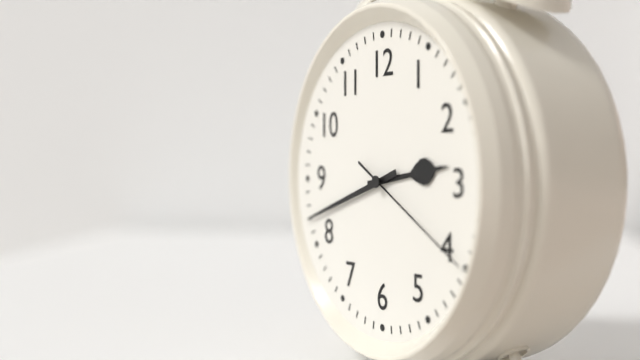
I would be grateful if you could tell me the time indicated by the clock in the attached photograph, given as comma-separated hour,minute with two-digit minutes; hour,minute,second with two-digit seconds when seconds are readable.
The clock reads 2,42,20
